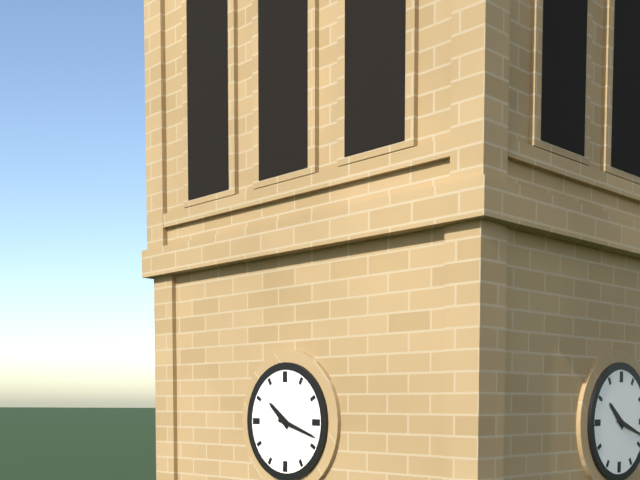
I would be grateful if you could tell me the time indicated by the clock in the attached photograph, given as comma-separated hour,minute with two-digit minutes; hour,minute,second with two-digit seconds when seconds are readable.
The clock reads 10,18
